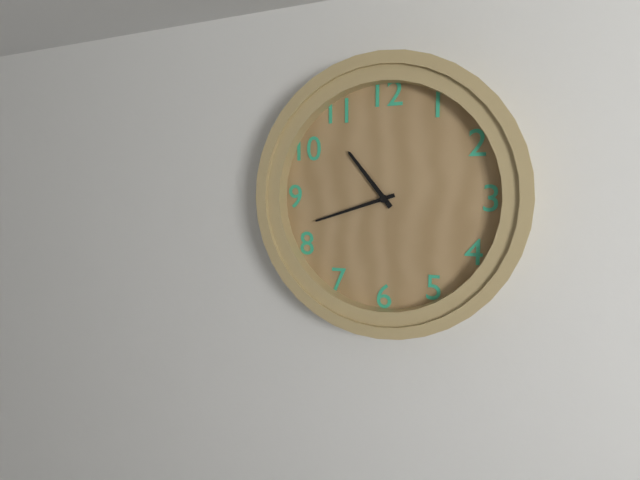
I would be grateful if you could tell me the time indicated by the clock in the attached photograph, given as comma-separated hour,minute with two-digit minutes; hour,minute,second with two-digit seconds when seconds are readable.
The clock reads 10,42
